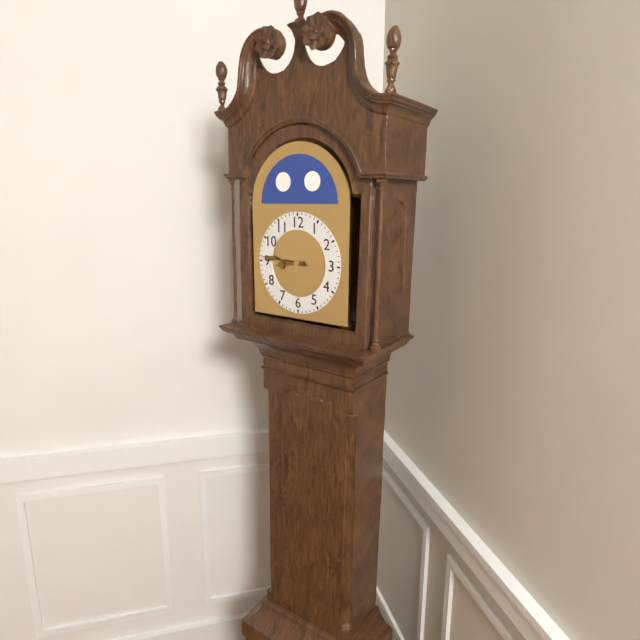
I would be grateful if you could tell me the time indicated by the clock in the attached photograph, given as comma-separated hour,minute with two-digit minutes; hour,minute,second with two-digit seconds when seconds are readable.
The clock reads 8,46
